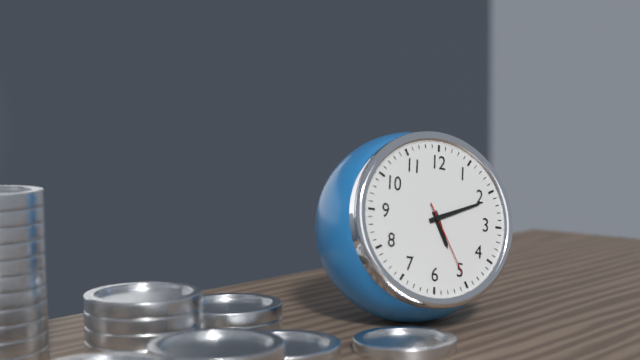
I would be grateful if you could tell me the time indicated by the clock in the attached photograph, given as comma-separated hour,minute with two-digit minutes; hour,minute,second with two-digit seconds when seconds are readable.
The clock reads 5,11,25
